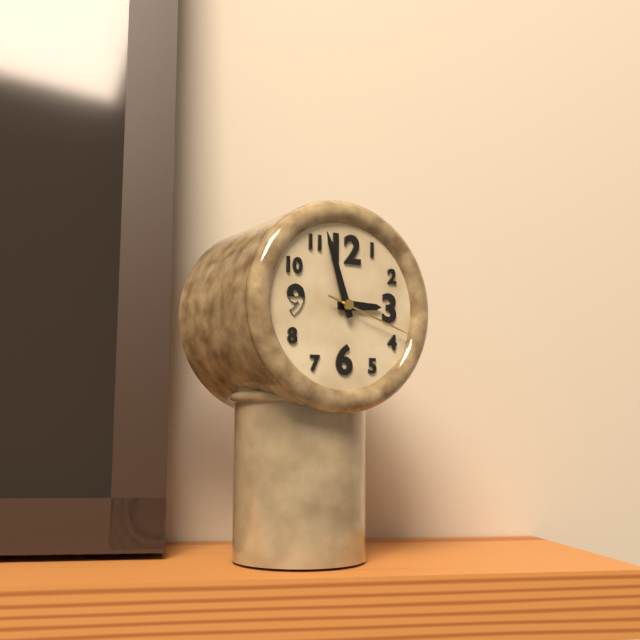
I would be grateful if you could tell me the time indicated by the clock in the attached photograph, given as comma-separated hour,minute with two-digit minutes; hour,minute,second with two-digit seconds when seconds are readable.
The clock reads 2,57,18
